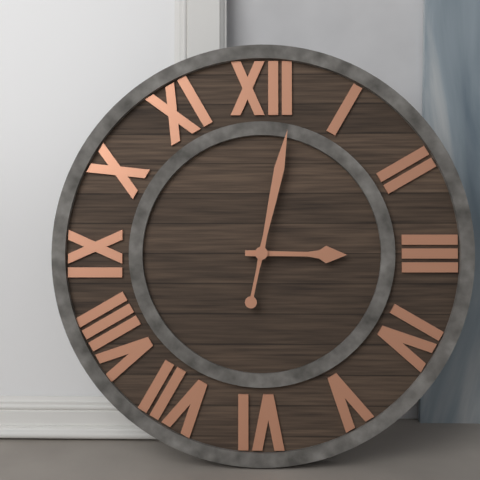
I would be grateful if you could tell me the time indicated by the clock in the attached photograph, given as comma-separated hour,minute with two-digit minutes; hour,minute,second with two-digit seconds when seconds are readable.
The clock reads 3,02
